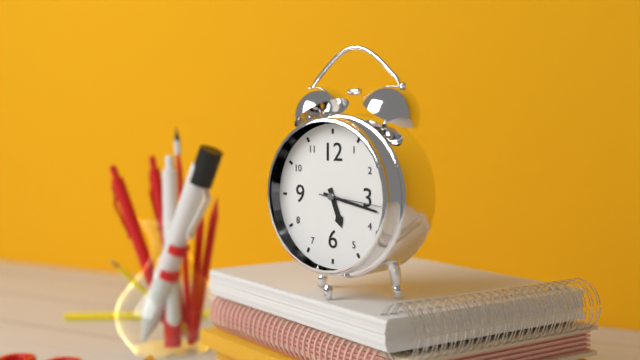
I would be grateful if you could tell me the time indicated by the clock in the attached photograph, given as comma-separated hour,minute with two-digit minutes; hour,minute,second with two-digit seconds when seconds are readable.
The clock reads 5,17,16
